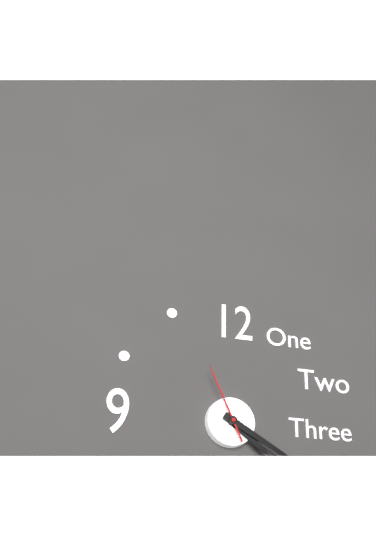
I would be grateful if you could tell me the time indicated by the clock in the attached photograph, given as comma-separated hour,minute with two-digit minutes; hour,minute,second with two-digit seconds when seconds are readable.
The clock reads 4,20,56
